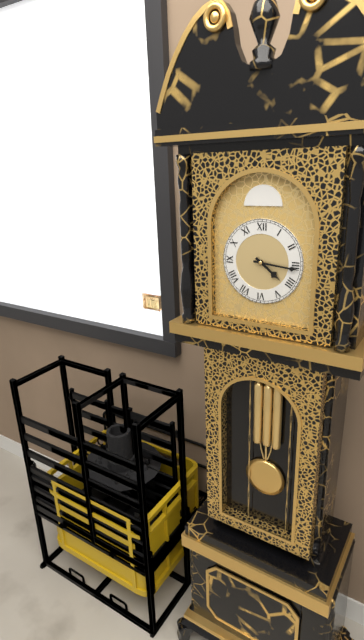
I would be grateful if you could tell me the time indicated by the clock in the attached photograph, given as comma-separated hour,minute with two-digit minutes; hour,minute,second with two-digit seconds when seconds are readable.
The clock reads 4,16
